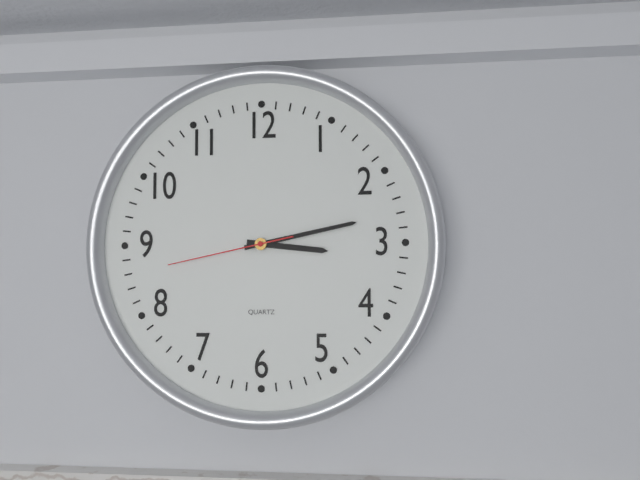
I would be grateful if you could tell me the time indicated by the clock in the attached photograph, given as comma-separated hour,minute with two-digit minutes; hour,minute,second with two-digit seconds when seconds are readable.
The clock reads 3,13,43
